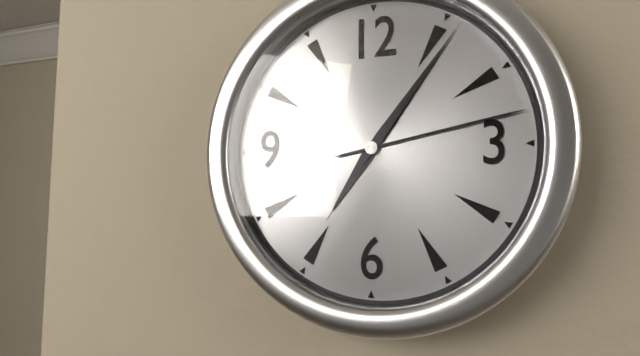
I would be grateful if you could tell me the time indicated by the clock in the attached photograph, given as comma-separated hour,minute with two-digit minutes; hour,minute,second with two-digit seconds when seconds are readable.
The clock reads 7,06,13
